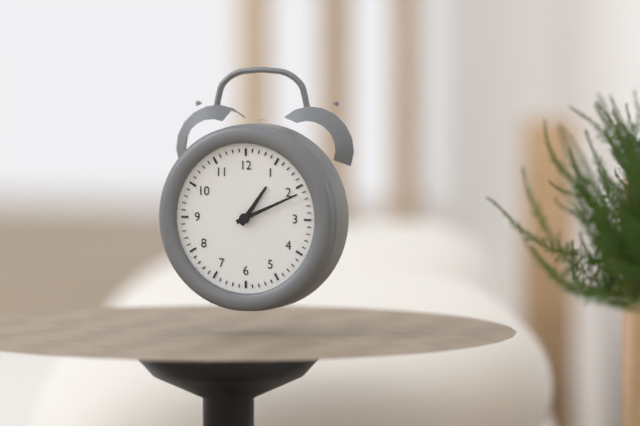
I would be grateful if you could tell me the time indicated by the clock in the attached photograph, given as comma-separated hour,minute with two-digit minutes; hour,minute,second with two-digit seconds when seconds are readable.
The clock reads 1,11
